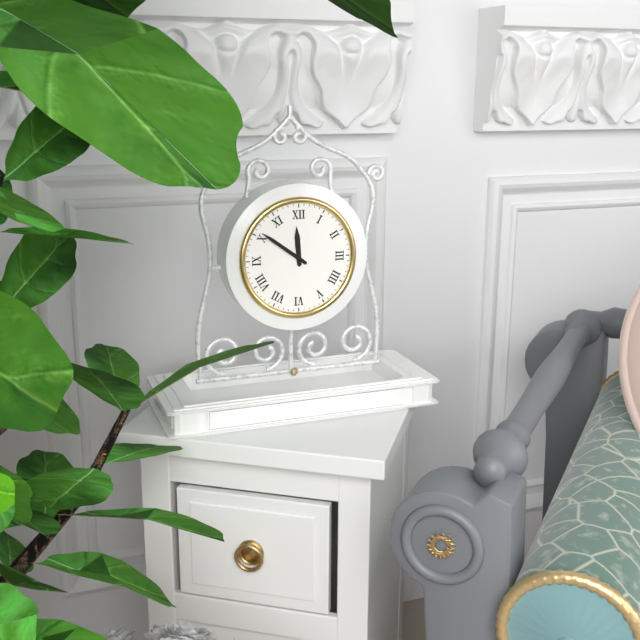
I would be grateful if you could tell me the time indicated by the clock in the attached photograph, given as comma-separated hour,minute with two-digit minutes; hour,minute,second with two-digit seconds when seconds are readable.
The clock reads 11,51
